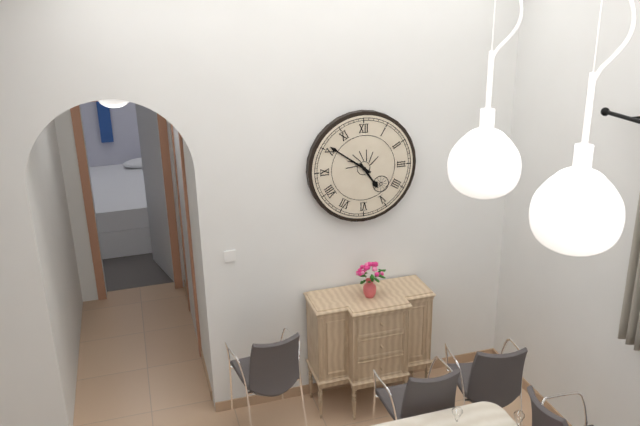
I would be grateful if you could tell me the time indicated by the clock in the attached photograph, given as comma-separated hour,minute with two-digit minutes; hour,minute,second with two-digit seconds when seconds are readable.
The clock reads 4,51
